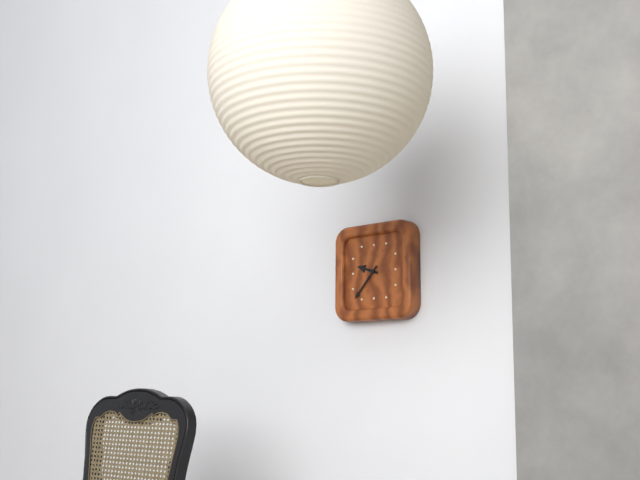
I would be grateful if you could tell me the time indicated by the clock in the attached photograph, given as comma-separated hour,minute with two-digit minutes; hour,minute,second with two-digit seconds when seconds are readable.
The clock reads 9,37
